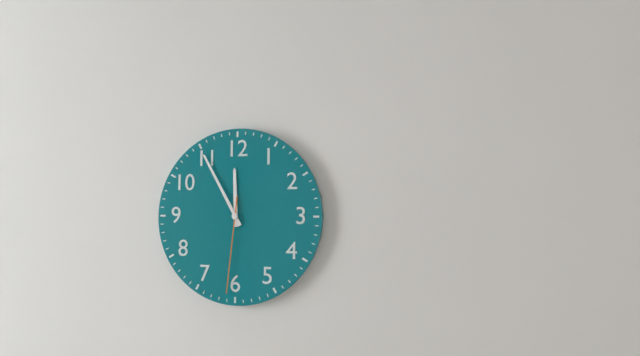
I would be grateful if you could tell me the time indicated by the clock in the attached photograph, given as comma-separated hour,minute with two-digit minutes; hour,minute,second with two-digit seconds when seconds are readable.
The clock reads 11,55,31
